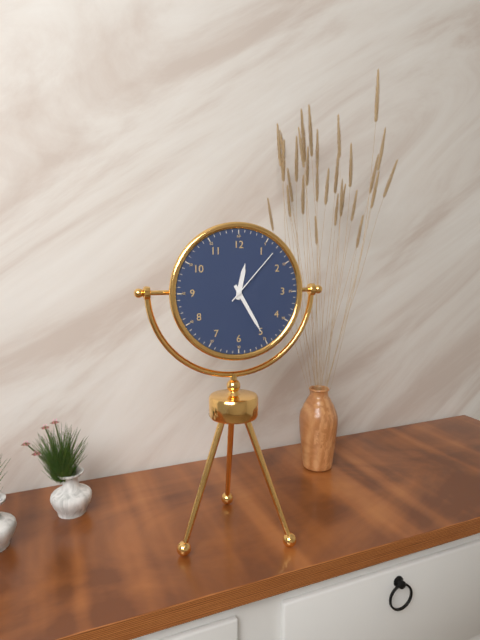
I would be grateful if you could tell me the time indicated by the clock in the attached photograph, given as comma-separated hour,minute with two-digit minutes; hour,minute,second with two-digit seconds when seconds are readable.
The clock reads 12,25,07
